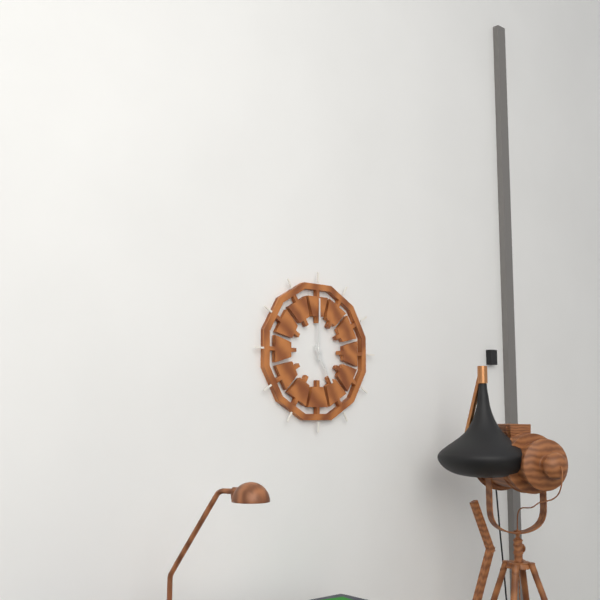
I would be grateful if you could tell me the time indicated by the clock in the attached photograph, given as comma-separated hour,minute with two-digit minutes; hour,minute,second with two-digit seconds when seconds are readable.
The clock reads 5,00
